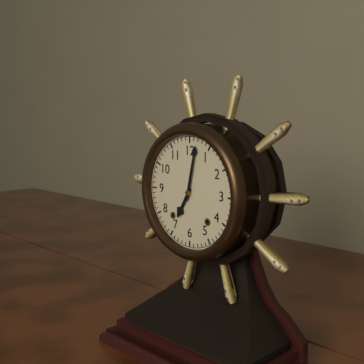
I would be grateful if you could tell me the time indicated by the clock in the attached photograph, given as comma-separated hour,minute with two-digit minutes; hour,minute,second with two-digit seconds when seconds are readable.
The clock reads 7,02
